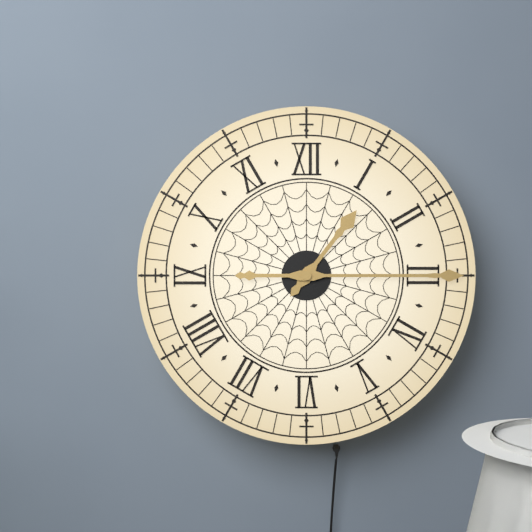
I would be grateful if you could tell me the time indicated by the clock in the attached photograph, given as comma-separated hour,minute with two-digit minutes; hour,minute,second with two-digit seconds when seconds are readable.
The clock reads 1,15
